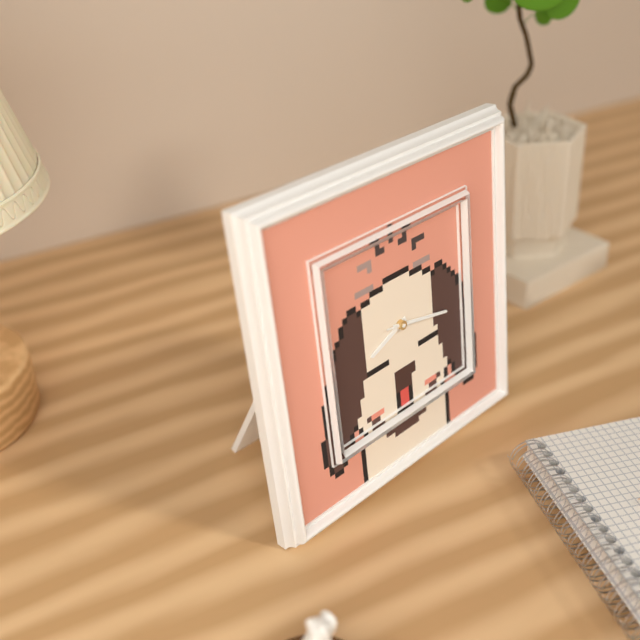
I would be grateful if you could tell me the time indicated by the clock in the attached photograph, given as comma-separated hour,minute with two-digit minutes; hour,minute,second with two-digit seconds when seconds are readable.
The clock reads 8,17,17
